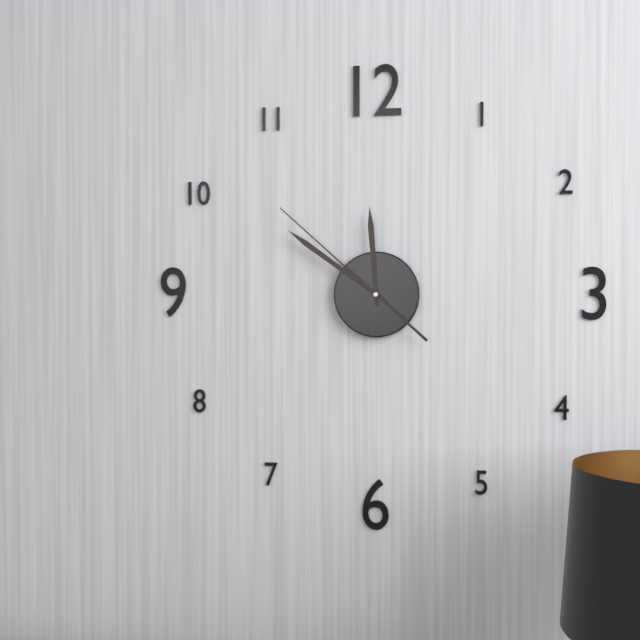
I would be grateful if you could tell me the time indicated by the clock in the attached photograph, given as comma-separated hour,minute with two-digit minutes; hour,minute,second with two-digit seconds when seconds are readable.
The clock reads 11,51,52
